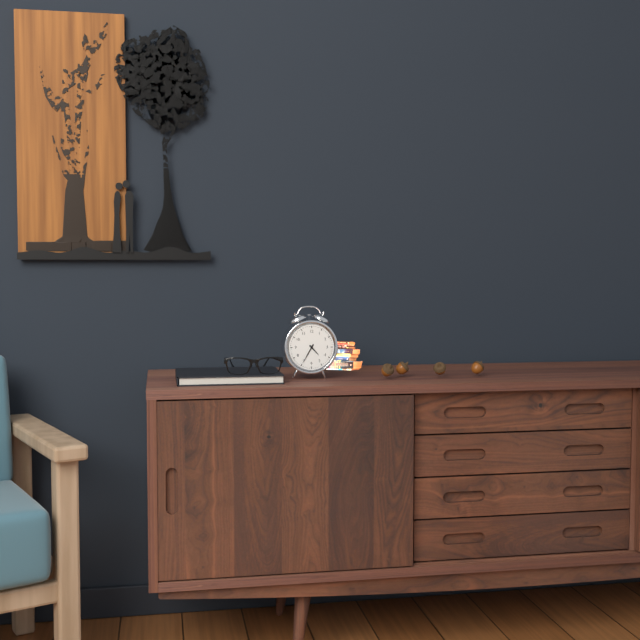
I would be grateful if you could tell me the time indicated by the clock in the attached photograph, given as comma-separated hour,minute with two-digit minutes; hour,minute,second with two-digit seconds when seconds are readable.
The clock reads 4,35
